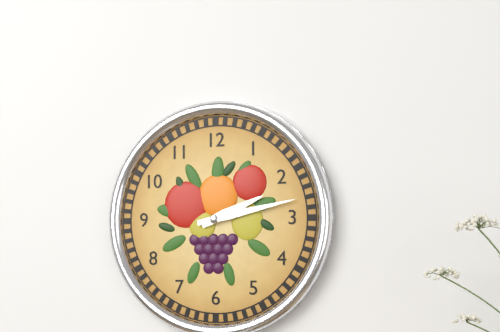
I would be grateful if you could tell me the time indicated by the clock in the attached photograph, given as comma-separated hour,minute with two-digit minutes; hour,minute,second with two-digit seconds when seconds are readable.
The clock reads 2,13
